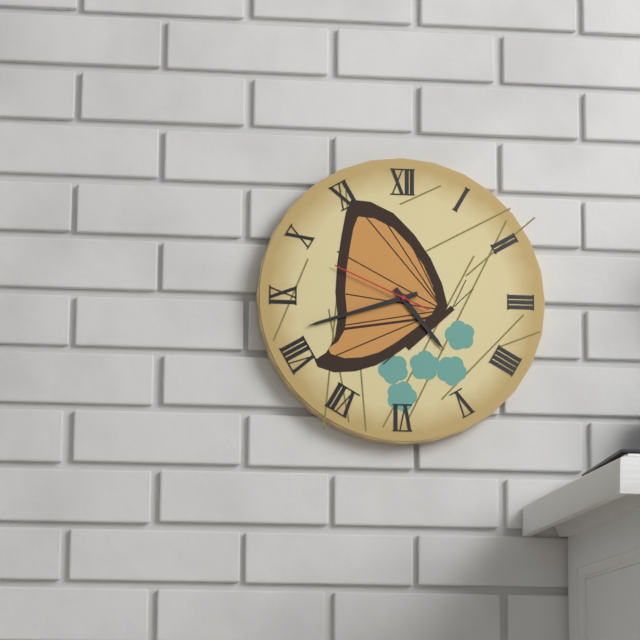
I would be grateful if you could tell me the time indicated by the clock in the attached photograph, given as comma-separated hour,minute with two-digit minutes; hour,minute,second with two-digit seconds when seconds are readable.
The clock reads 4,42,49
